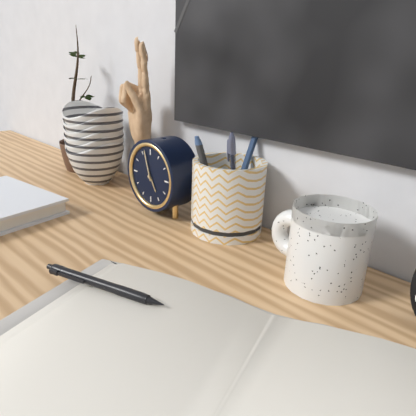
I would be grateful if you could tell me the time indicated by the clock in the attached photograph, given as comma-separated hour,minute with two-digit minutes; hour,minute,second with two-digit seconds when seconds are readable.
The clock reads 4,57
